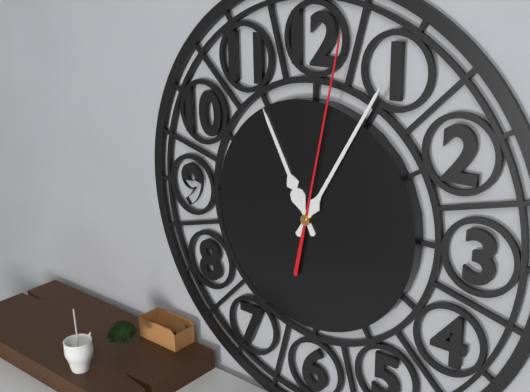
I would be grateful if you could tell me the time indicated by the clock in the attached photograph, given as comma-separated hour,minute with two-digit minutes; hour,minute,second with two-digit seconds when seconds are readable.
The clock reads 11,05,02
